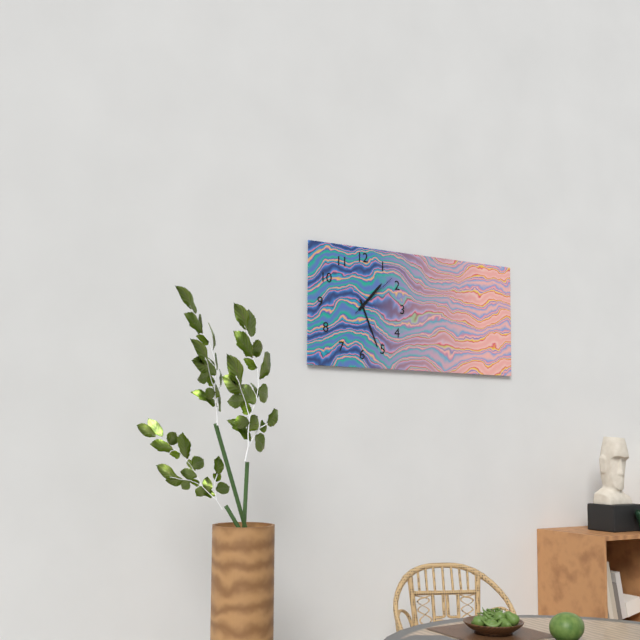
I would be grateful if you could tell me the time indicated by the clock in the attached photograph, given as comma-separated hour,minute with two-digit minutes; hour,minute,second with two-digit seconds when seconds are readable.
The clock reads 1,26,08
